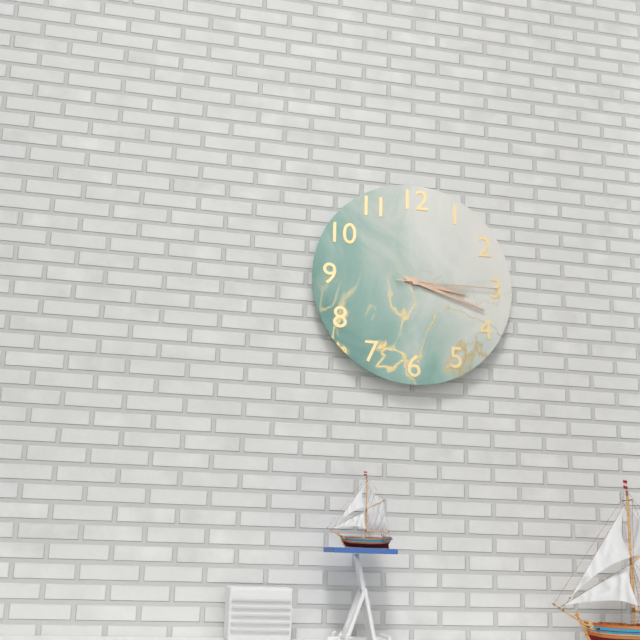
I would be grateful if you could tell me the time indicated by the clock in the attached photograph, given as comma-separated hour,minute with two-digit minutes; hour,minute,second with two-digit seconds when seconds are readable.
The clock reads 3,18,15
